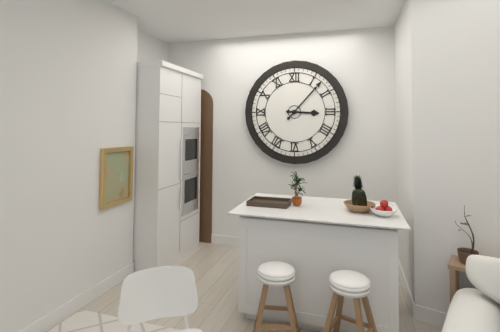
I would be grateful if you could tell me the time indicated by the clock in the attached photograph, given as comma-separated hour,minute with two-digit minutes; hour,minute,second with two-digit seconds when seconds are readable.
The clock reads 3,07
